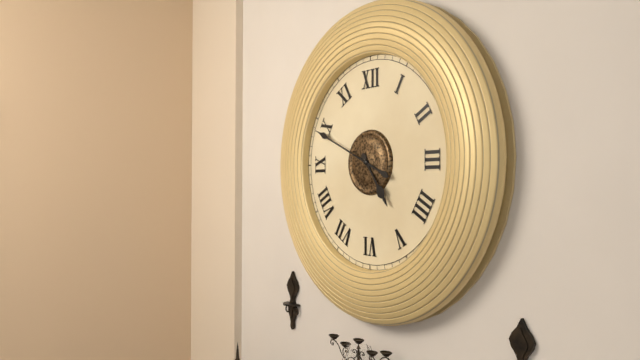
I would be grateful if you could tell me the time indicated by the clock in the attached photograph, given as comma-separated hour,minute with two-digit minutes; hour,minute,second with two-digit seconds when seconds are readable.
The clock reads 4,49
